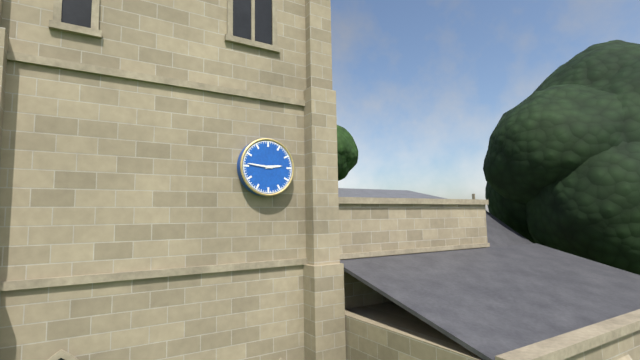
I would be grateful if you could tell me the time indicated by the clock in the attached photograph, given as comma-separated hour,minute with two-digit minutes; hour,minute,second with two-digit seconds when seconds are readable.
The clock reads 2,46
